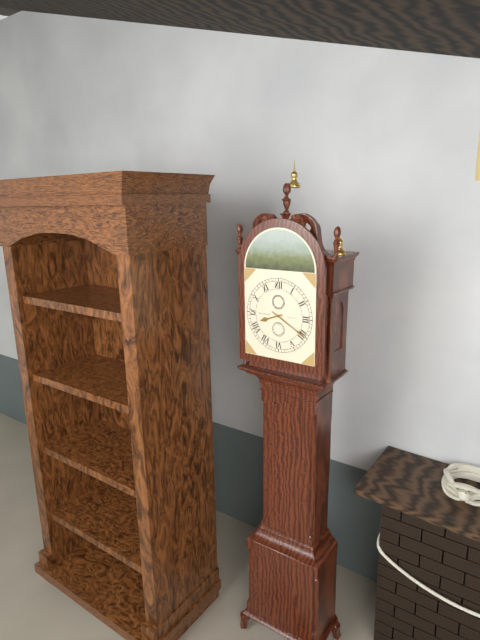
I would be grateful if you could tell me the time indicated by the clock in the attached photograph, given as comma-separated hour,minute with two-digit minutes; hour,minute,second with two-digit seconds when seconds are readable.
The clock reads 8,20
